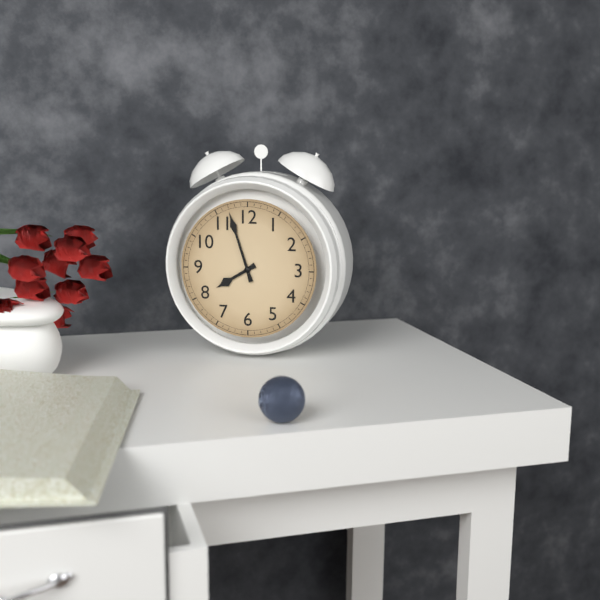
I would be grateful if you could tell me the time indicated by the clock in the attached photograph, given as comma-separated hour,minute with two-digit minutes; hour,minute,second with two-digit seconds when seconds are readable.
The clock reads 7,57
